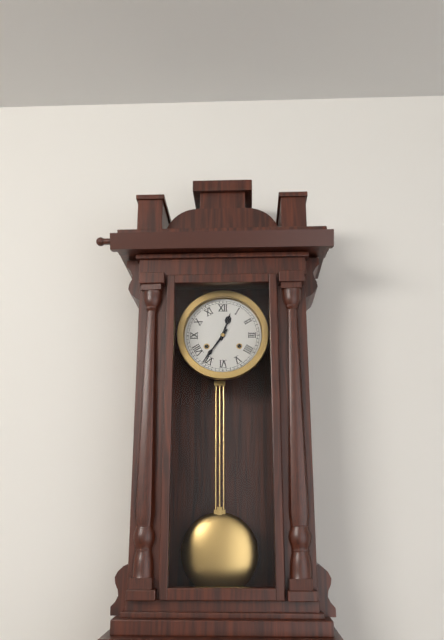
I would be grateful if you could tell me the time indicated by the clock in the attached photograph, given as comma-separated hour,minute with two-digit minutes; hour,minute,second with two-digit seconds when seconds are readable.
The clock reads 12,36
